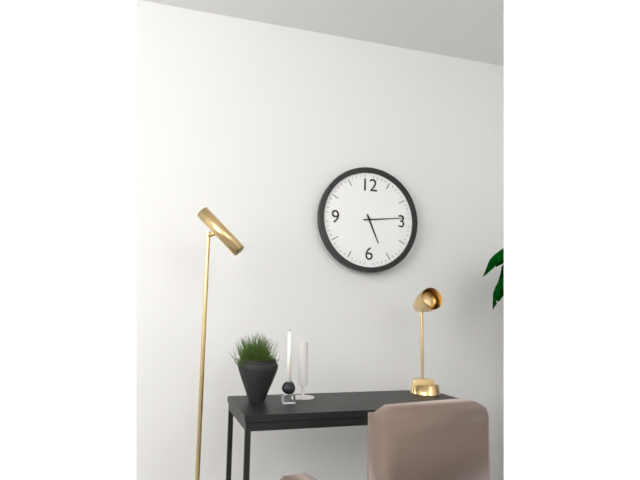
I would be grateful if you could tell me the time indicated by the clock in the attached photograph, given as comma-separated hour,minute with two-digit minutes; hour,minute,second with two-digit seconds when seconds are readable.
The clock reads 5,14
